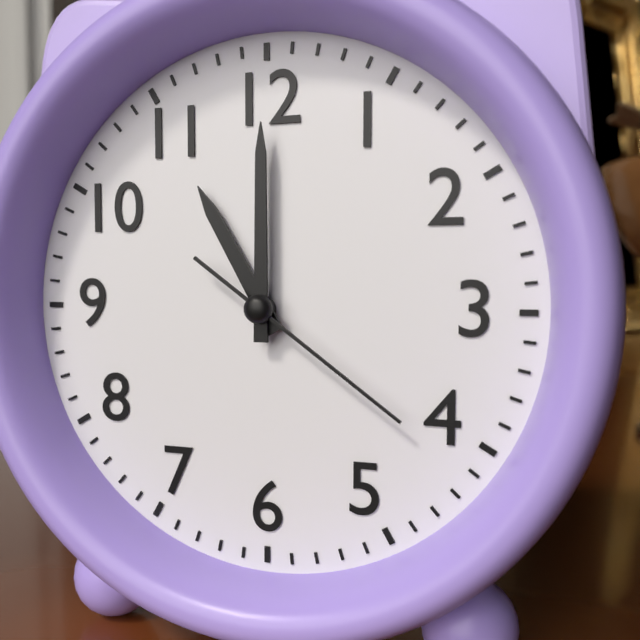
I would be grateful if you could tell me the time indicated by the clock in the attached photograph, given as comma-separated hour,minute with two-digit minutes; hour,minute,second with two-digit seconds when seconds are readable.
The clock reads 11,00,21
